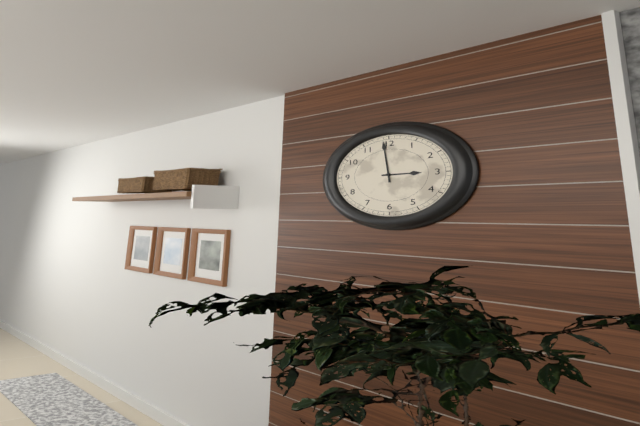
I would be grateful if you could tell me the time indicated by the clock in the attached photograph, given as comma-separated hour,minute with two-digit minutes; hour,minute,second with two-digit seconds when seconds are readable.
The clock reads 2,59
